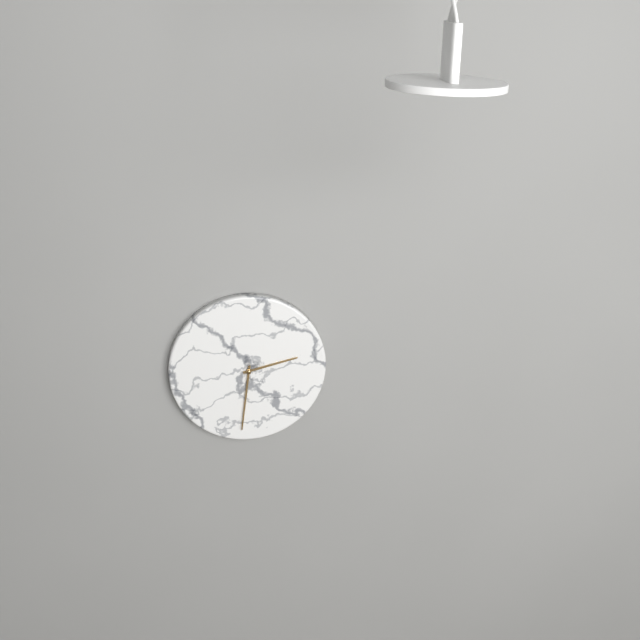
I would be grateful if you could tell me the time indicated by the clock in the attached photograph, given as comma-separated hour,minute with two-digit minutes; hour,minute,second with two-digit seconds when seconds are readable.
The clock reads 2,31
